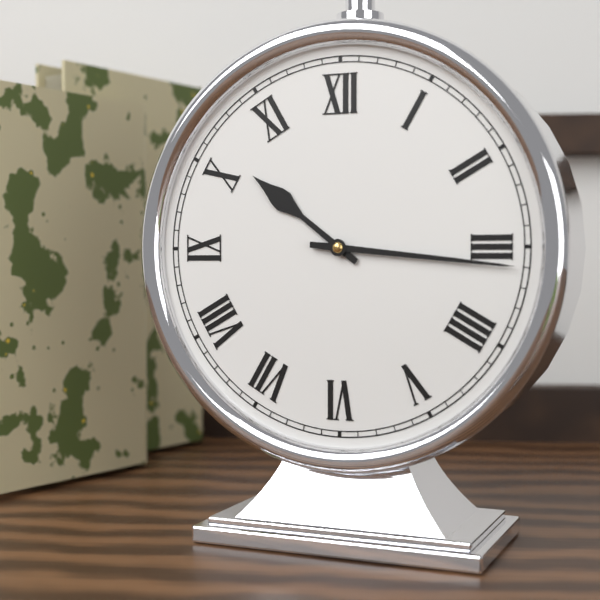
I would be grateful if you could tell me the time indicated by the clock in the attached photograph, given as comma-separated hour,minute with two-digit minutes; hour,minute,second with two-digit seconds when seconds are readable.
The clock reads 10,16
